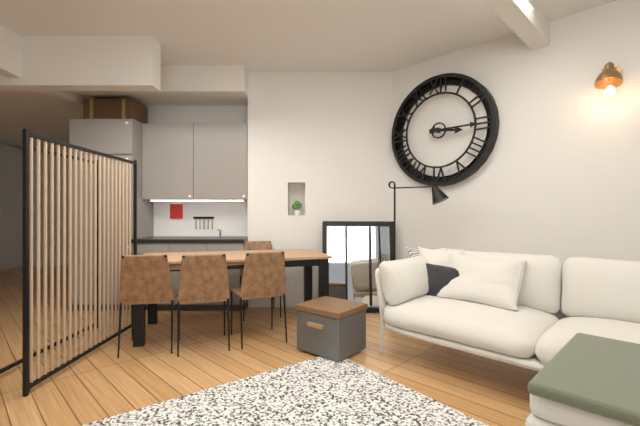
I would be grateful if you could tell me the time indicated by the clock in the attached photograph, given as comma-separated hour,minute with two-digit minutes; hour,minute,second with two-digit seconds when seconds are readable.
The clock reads 3,15
